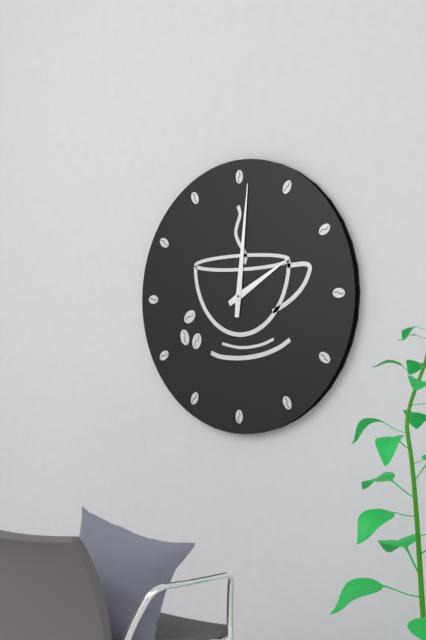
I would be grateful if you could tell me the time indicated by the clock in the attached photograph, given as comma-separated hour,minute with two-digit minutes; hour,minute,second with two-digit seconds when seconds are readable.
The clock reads 2,01
